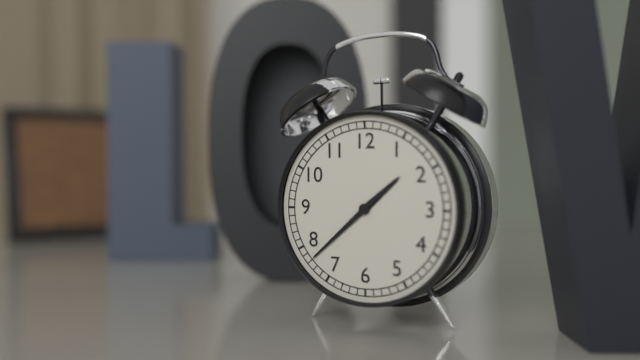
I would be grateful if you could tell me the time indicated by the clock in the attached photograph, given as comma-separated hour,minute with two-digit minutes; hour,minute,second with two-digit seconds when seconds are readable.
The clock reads 1,38
